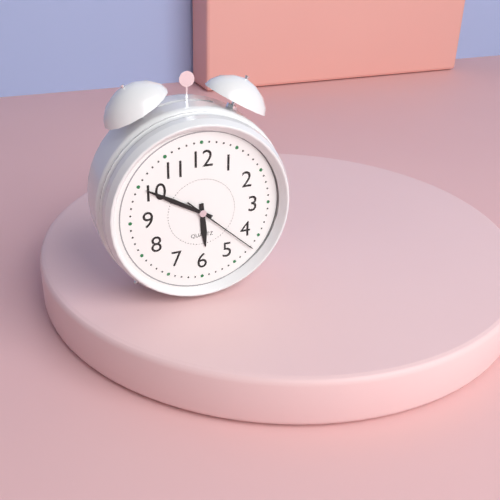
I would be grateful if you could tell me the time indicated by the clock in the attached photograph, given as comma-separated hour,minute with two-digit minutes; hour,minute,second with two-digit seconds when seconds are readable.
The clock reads 5,50,22
